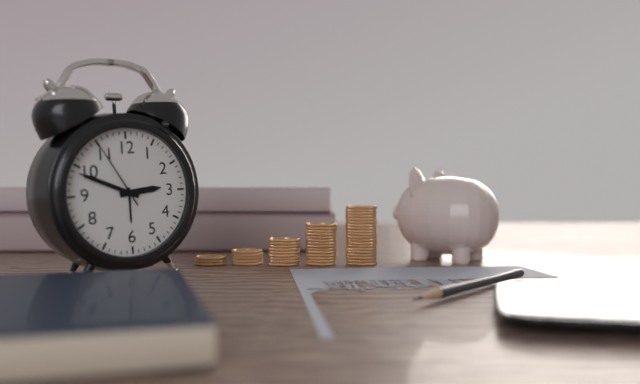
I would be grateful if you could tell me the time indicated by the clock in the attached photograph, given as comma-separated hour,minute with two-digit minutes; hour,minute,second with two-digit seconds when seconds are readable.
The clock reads 2,49,55
